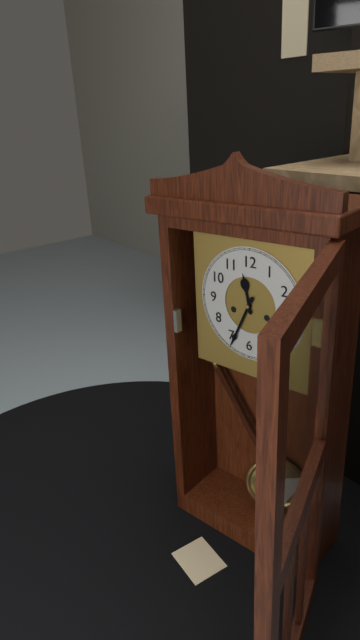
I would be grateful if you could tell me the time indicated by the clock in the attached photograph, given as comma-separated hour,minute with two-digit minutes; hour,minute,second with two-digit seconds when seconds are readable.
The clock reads 11,34
